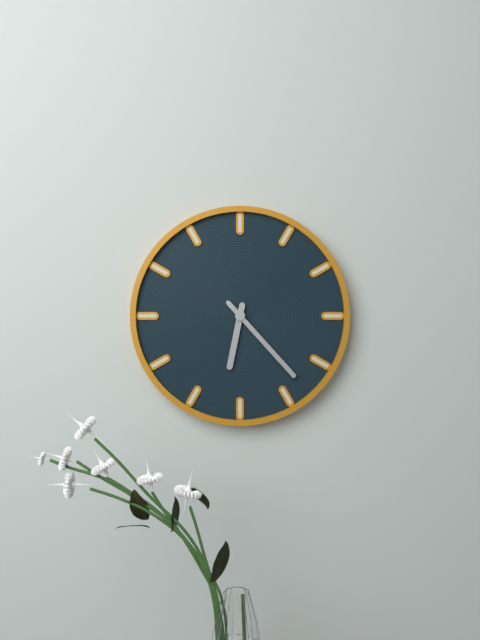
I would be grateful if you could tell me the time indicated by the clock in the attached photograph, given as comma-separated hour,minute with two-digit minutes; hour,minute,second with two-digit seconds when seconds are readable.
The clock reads 6,23
